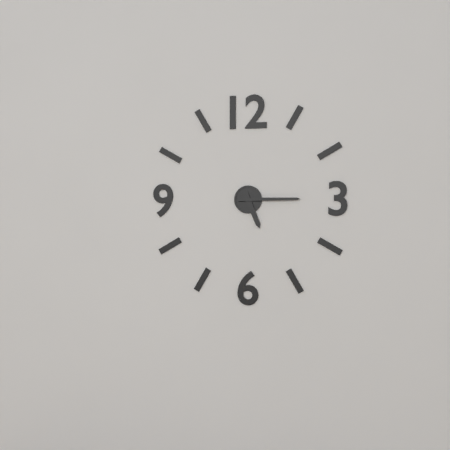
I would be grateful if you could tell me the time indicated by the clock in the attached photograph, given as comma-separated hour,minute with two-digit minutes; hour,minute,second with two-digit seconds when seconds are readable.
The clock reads 5,15
